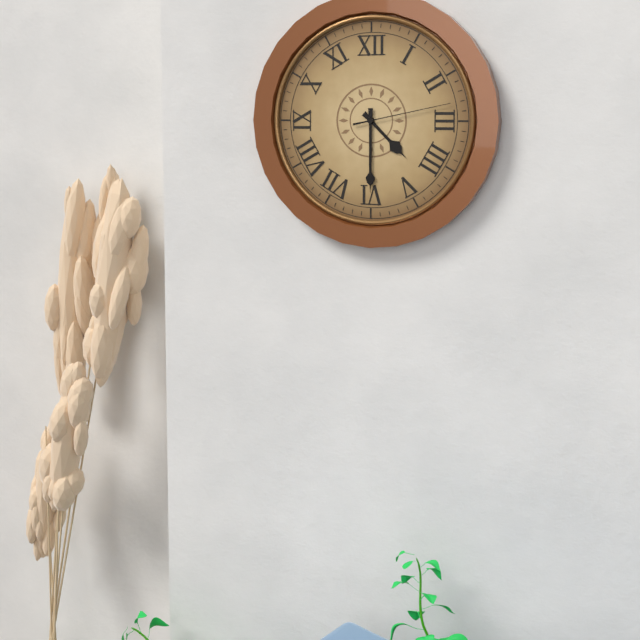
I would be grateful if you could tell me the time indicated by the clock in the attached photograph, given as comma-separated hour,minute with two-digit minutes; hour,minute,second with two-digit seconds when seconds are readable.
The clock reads 4,30,13
